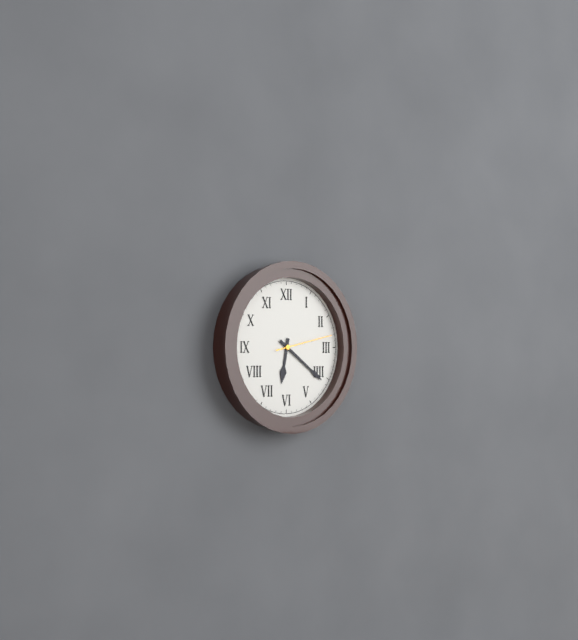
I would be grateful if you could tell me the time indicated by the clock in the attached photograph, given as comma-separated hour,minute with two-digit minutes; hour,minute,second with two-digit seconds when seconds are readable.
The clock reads 6,21,13
